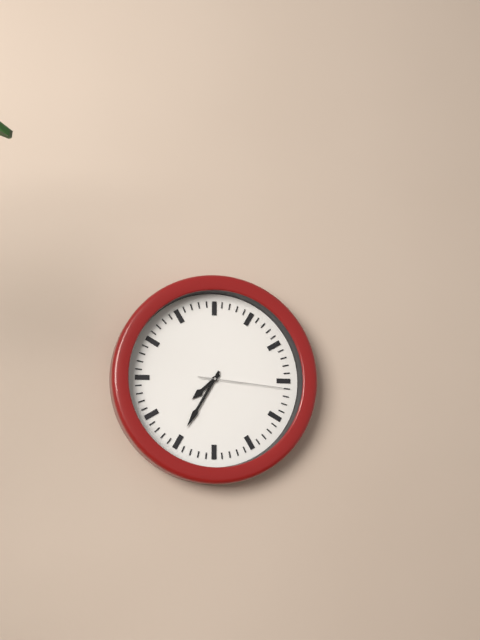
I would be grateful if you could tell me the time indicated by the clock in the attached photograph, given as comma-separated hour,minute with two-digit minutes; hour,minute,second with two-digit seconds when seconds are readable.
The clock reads 7,35,16
